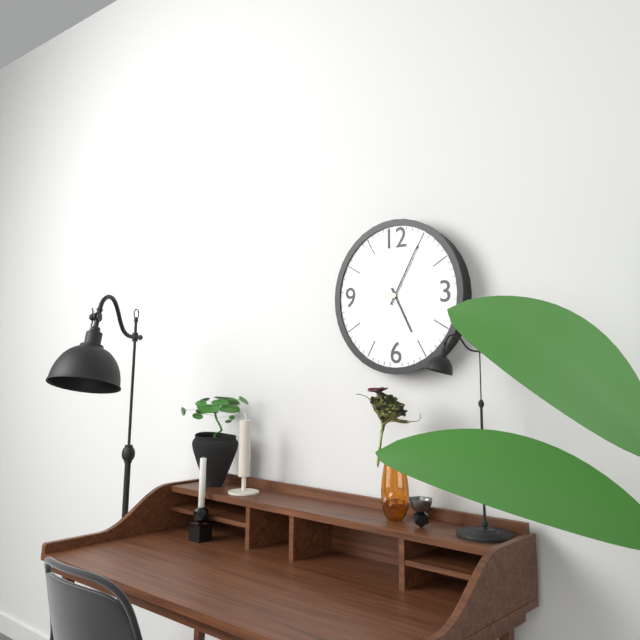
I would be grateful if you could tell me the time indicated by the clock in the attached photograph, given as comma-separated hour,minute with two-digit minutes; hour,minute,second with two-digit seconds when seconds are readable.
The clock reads 5,05
